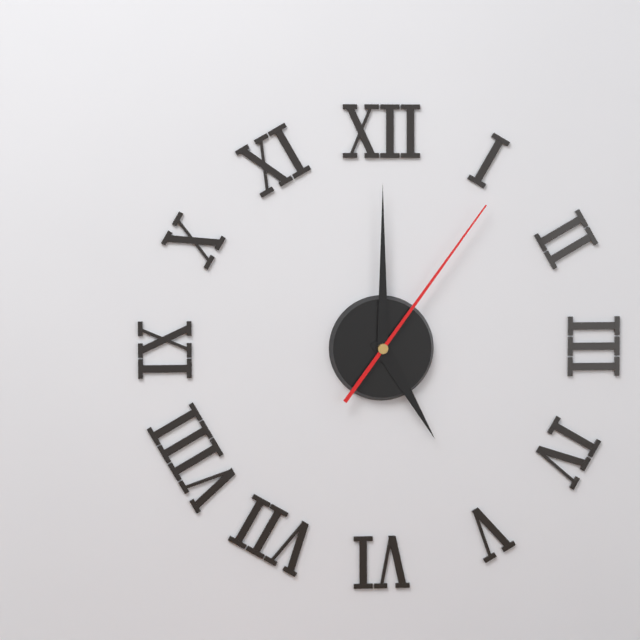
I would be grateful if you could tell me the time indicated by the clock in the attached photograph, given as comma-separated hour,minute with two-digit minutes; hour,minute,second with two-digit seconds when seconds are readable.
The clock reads 5,00,06
